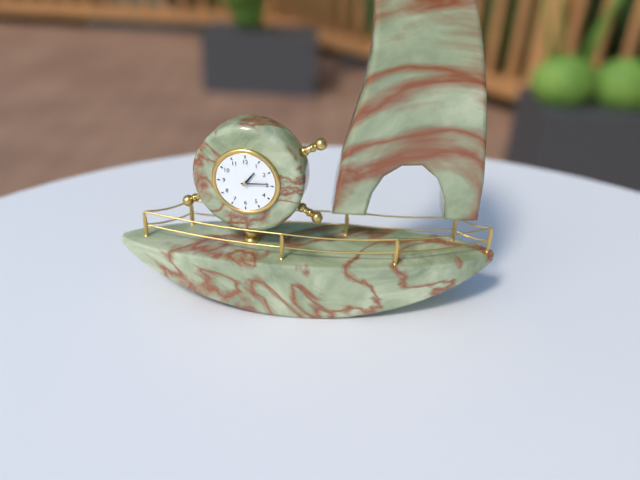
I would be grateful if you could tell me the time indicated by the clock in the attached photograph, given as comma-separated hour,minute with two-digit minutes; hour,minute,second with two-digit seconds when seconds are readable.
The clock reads 1,14
